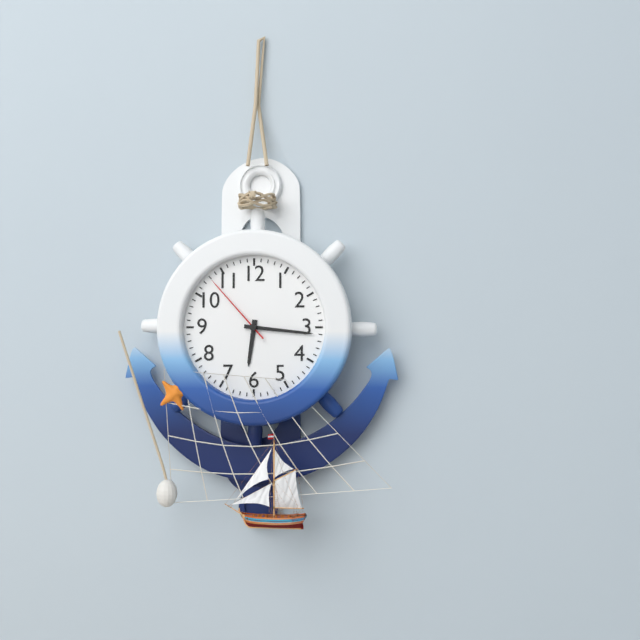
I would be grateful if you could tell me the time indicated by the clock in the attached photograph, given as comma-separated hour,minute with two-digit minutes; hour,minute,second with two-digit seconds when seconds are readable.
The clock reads 6,16,53
